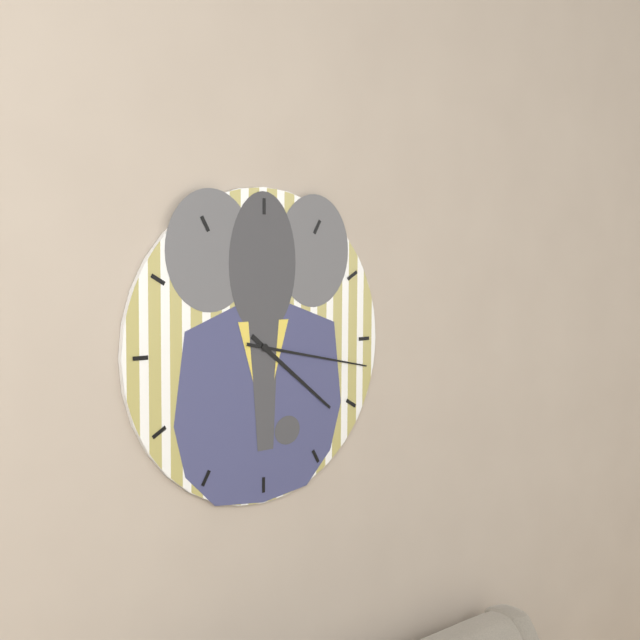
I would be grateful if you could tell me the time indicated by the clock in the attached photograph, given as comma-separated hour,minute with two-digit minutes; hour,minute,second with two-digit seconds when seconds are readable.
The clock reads 4,17
